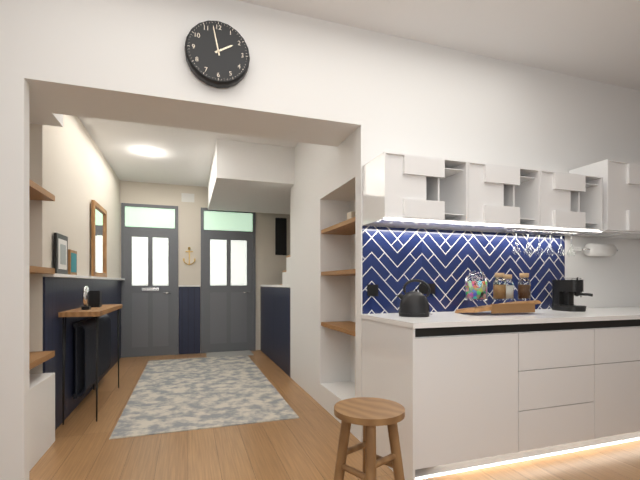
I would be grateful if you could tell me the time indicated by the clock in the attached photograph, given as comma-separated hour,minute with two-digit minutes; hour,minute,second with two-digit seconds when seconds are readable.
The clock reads 1,58
